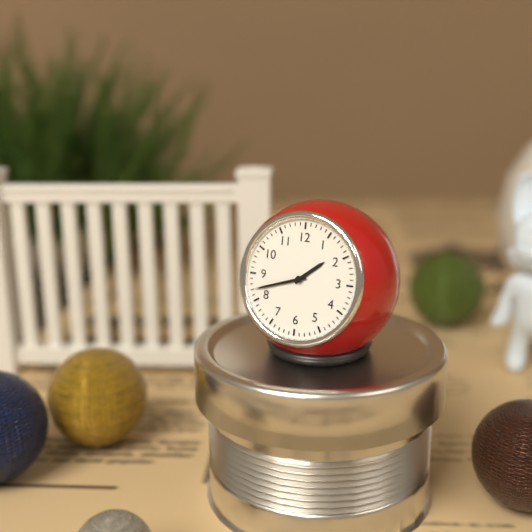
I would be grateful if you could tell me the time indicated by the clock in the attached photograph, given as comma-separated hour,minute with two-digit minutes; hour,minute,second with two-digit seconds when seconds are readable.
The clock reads 1,42
